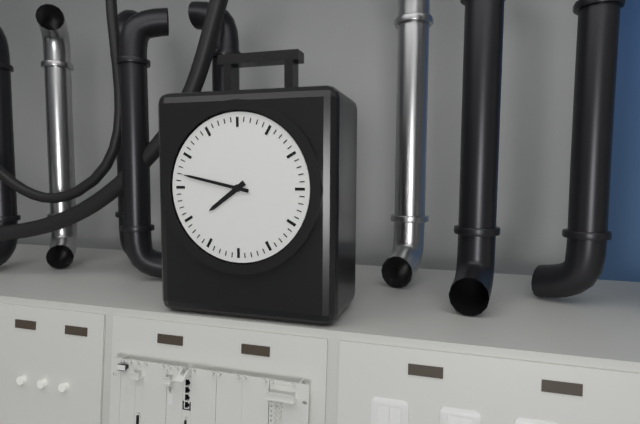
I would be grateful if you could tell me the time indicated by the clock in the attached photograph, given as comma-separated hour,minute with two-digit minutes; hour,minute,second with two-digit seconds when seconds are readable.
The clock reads 7,47
